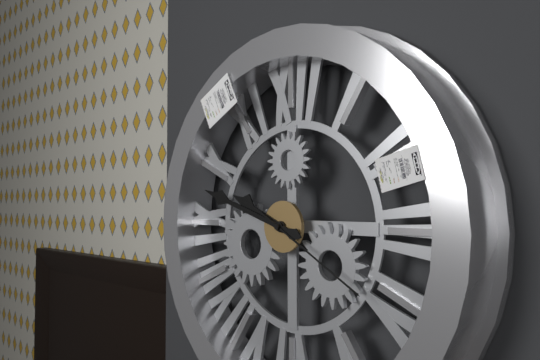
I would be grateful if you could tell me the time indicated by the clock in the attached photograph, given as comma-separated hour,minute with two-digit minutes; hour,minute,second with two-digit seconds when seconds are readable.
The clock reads 9,48,20
